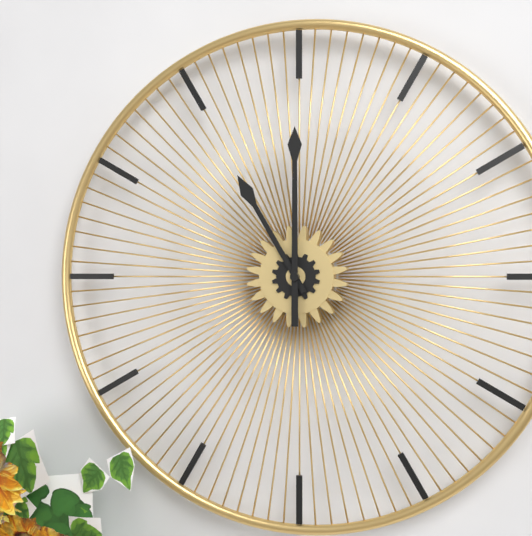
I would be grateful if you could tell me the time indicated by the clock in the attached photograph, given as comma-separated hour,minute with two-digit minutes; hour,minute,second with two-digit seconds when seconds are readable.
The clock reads 11,00
